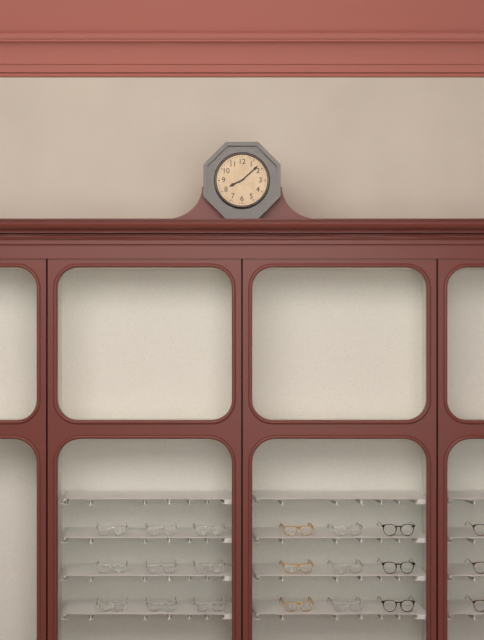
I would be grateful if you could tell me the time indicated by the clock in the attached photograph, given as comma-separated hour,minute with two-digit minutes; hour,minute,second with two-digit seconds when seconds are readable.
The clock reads 8,08
